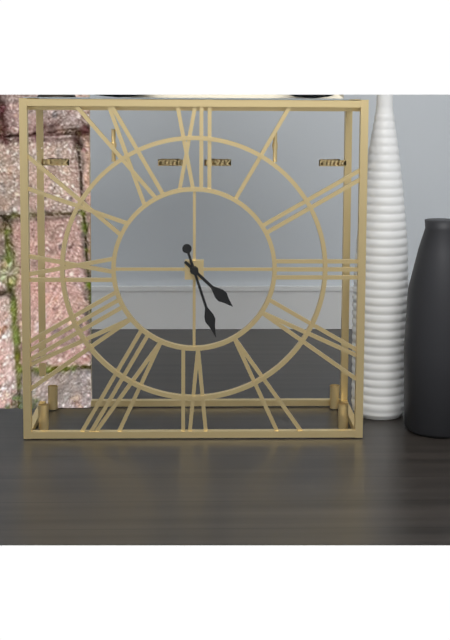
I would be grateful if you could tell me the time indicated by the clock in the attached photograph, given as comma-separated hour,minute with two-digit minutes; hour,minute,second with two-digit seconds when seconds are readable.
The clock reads 4,27
